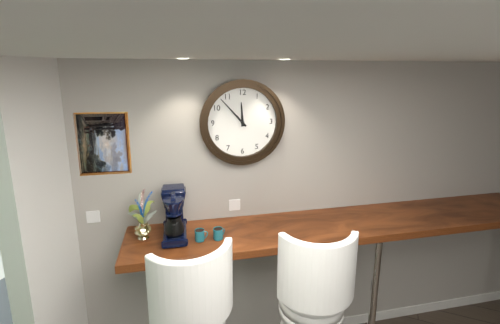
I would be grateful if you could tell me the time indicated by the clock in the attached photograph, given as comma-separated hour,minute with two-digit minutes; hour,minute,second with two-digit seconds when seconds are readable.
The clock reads 11,53
